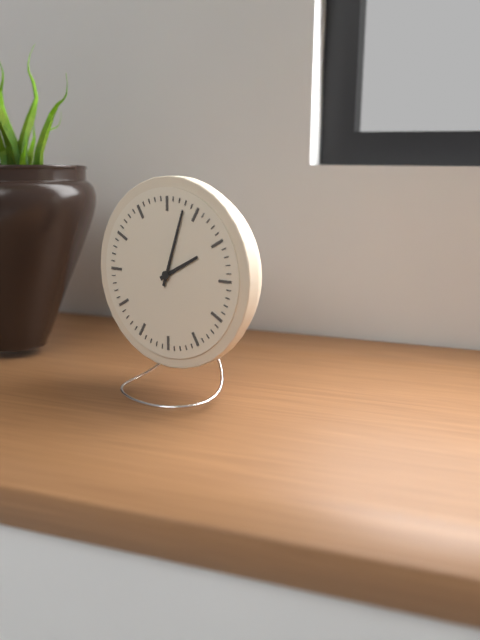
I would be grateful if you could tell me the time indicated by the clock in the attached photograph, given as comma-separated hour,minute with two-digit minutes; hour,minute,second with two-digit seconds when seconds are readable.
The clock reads 2,03
